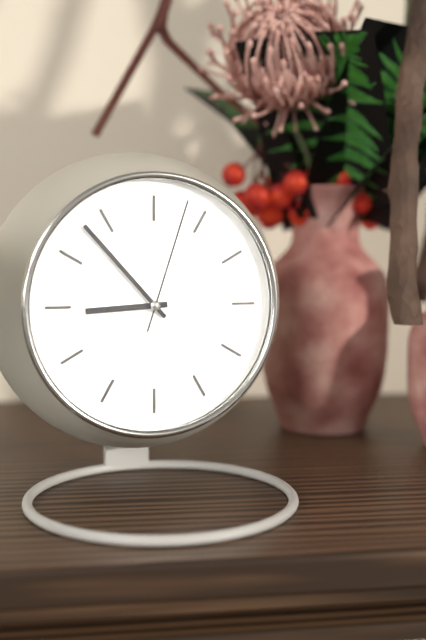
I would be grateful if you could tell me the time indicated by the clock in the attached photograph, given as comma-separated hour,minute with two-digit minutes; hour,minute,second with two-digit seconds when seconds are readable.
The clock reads 8,53,03
